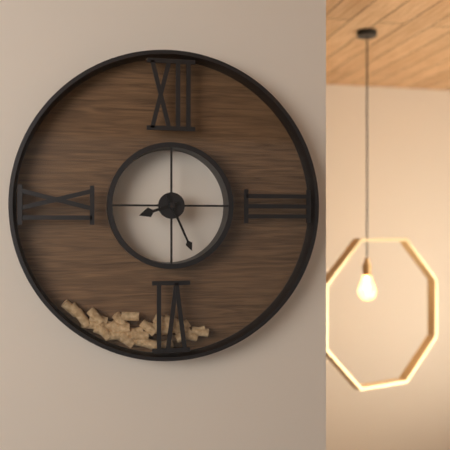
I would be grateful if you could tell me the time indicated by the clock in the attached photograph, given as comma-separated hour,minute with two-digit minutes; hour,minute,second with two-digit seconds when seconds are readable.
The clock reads 8,26
